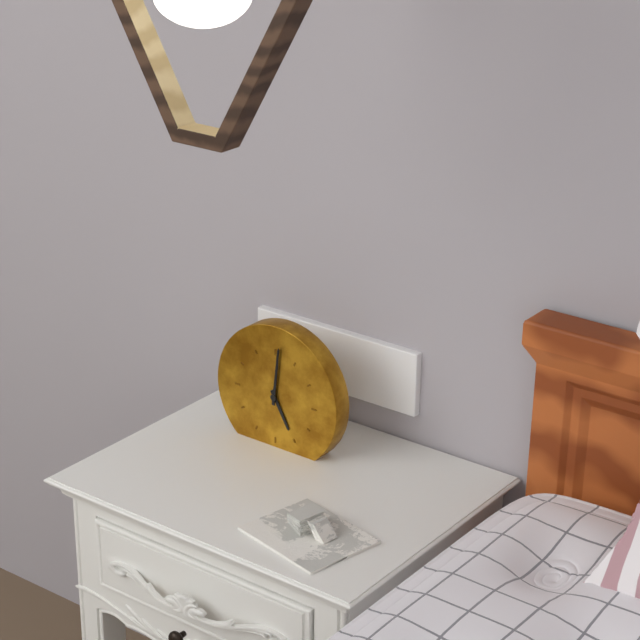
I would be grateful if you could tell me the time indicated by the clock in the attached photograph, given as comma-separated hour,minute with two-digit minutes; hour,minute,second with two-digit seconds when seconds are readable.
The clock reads 5,01
